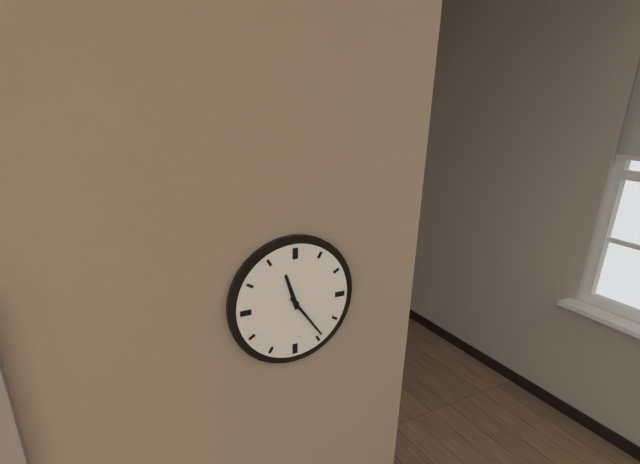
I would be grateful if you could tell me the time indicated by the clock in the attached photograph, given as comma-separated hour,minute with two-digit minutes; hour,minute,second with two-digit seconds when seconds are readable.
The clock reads 11,24
